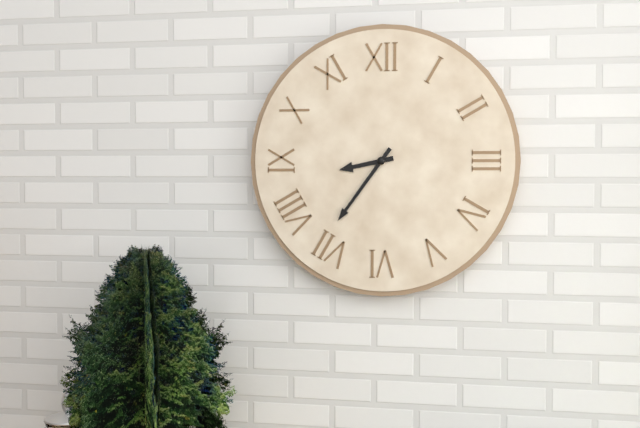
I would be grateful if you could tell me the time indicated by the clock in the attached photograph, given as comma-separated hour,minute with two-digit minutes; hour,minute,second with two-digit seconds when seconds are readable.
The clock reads 8,36
